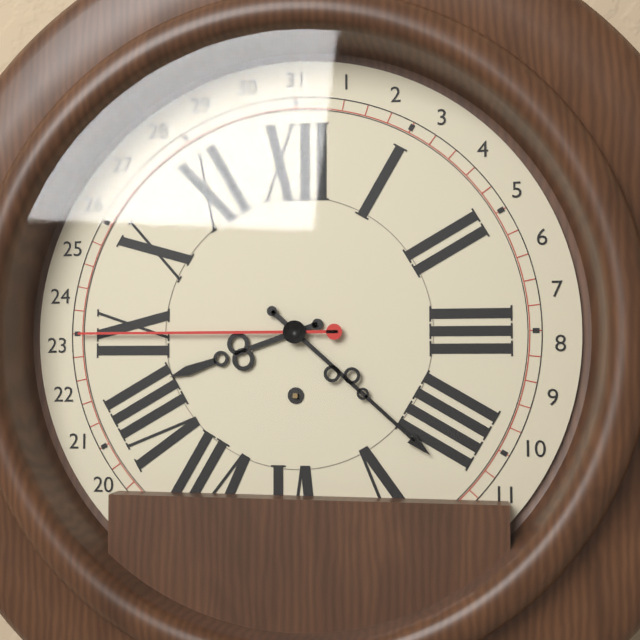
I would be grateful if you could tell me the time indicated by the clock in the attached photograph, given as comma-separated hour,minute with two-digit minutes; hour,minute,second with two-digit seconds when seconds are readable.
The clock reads 8,22,45
